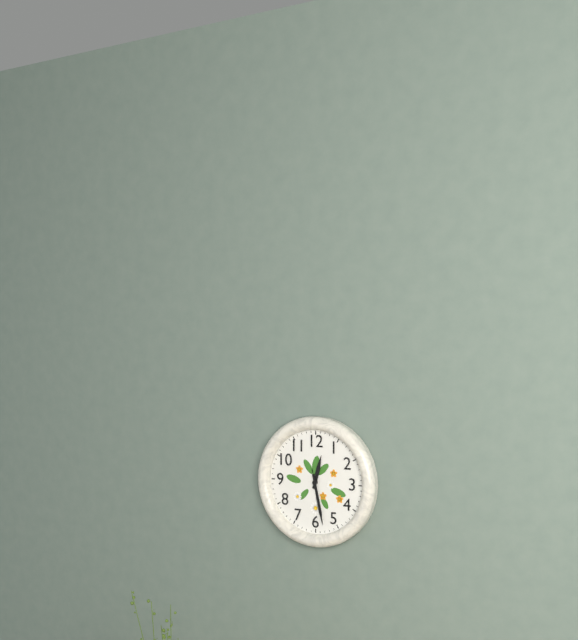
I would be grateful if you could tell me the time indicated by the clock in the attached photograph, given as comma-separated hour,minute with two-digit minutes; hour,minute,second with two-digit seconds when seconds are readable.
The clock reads 12,28
